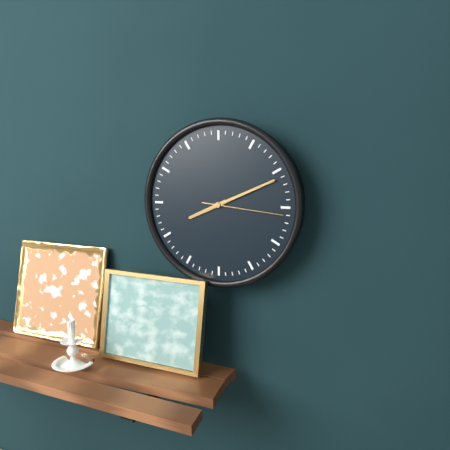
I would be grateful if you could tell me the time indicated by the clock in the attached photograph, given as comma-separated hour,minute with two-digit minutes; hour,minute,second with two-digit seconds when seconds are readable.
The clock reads 8,11,16
